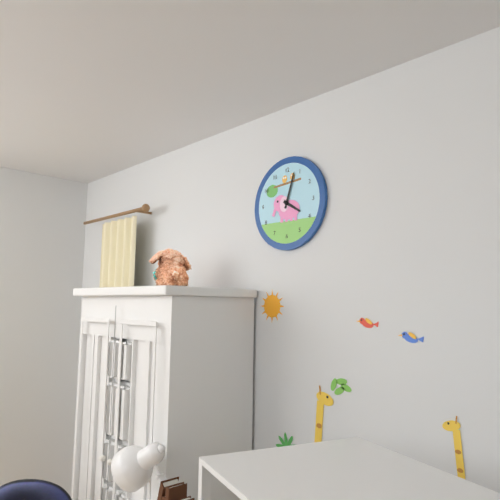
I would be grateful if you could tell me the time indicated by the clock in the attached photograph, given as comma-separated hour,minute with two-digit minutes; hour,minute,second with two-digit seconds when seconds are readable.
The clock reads 4,03
